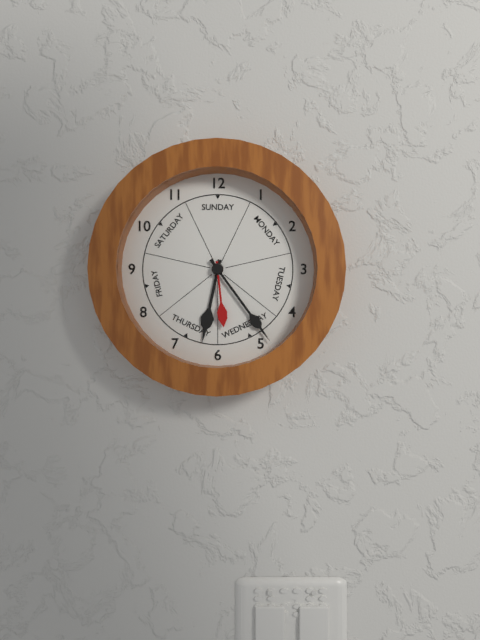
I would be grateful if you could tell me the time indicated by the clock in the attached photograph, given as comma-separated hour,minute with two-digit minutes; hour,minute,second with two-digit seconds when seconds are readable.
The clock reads 6,24,29
